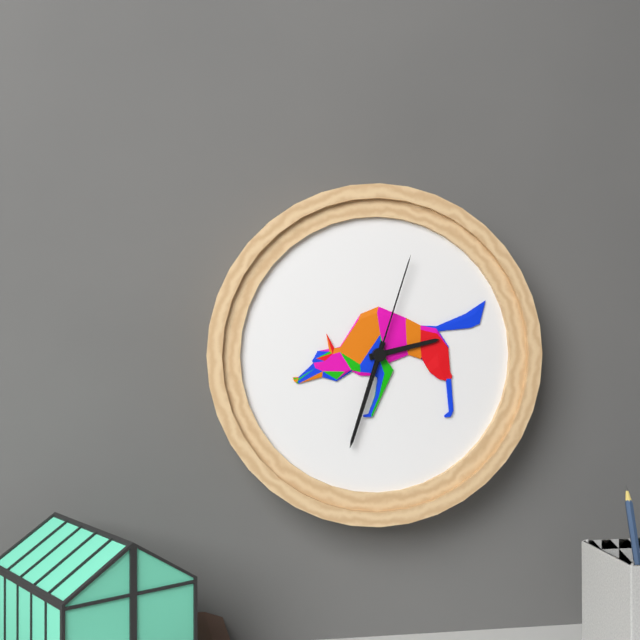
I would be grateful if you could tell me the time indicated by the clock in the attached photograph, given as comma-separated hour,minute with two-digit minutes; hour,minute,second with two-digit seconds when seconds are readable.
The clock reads 2,33,03
